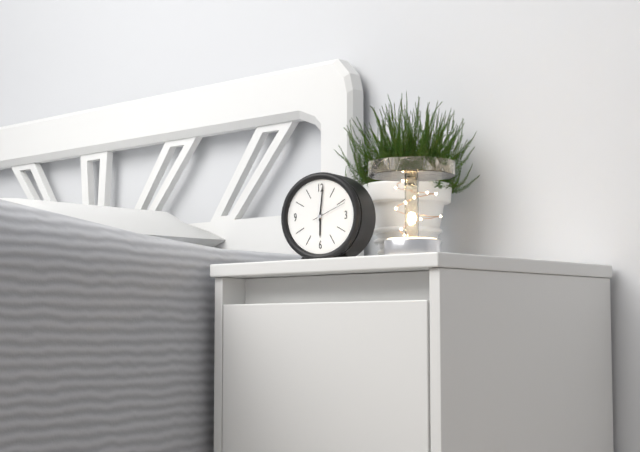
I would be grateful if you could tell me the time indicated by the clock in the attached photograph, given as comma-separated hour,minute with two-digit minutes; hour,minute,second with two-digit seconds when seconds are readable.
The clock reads 6,01
